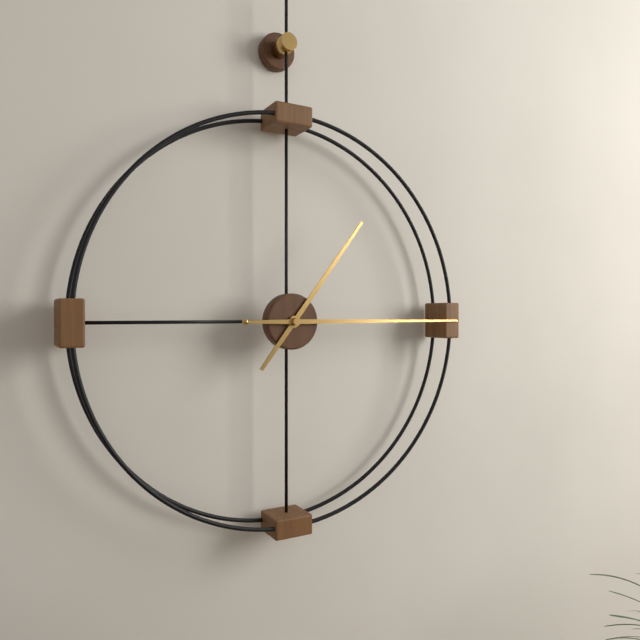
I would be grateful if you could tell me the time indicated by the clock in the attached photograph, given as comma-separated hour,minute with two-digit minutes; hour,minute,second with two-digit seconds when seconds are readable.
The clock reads 1,15
